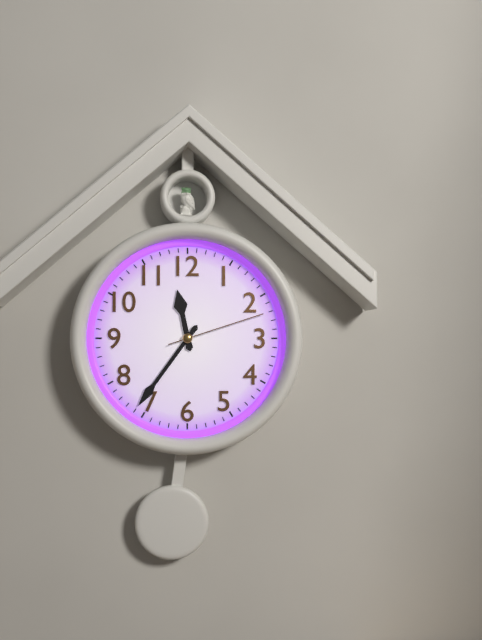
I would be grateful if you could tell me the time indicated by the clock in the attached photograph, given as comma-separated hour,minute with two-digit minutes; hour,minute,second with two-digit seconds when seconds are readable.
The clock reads 11,36,12
